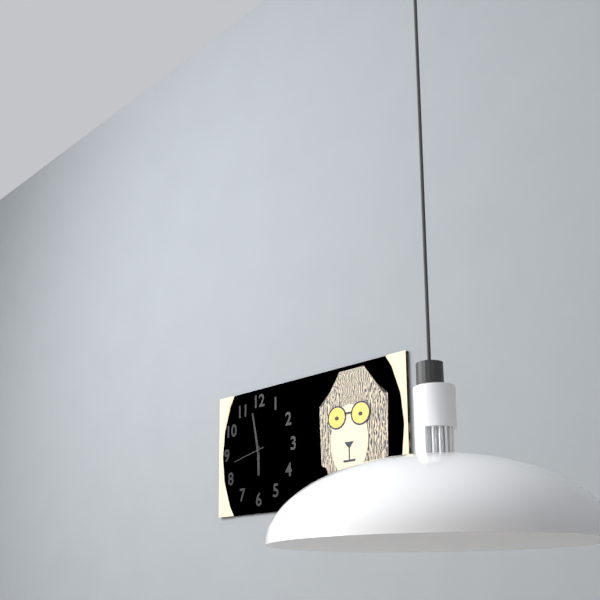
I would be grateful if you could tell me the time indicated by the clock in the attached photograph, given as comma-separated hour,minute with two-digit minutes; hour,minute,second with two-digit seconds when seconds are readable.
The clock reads 5,58
